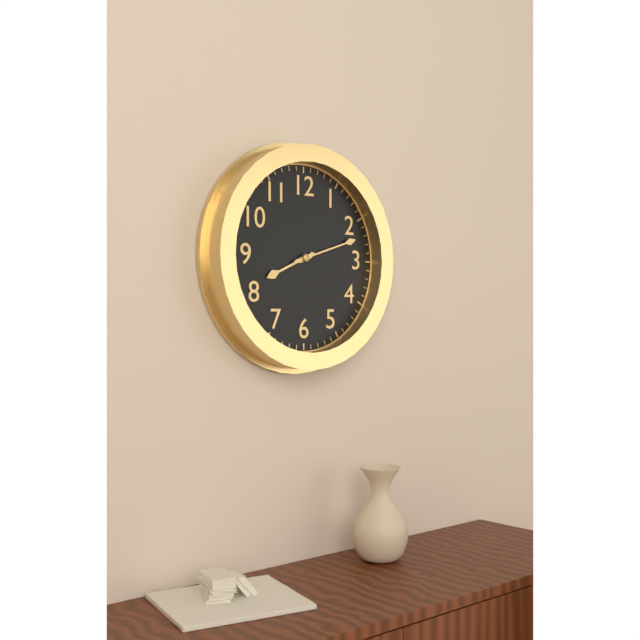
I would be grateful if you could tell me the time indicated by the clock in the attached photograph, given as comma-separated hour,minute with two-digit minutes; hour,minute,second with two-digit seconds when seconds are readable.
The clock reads 8,12
